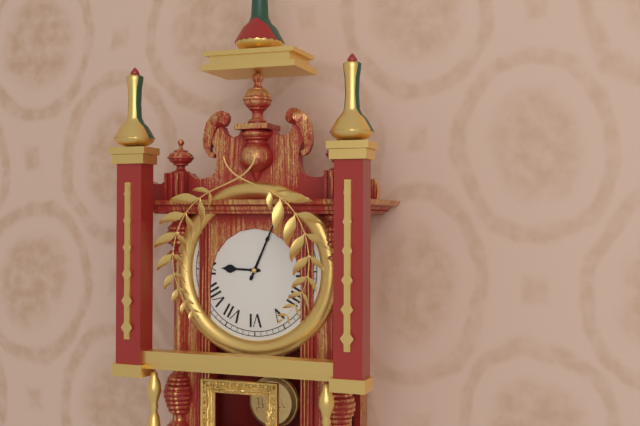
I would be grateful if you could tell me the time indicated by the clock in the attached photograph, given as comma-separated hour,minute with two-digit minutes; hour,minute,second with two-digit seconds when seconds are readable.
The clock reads 9,04
